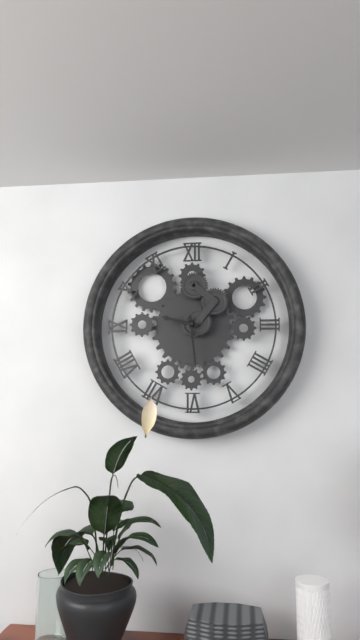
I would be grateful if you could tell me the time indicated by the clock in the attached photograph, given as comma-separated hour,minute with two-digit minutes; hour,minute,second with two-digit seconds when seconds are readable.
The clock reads 9,29
